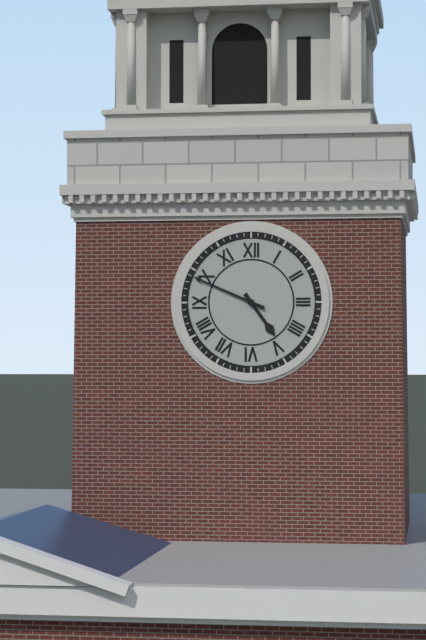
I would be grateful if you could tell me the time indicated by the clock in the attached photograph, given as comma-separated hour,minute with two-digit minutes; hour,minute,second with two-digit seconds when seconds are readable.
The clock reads 4,49
